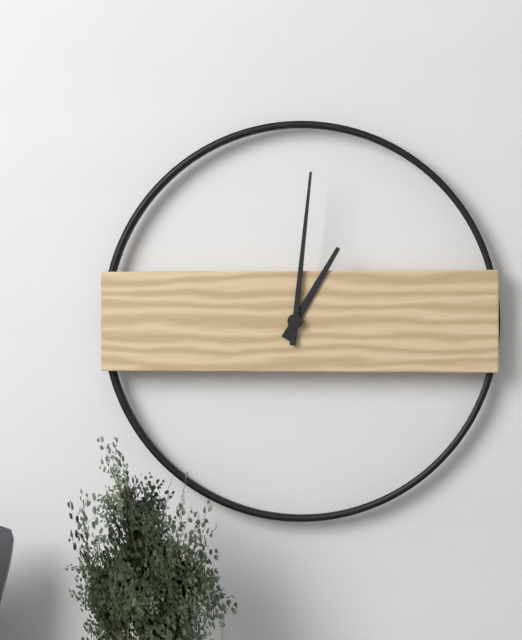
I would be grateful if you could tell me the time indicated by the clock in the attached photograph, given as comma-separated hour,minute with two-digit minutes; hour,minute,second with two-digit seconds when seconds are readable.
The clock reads 1,01
